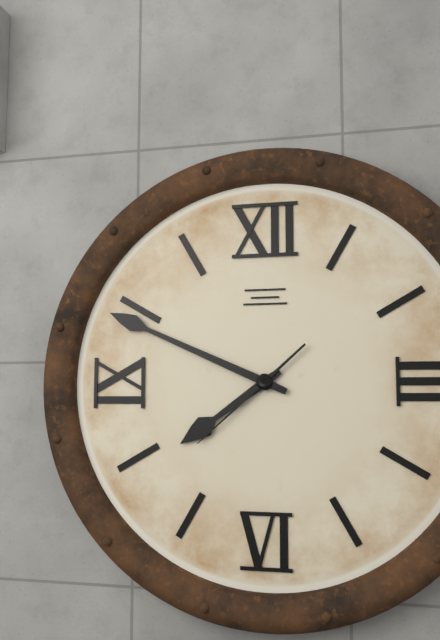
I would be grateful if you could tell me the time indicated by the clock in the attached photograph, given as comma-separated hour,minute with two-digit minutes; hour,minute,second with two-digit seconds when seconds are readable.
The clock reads 7,49,38
